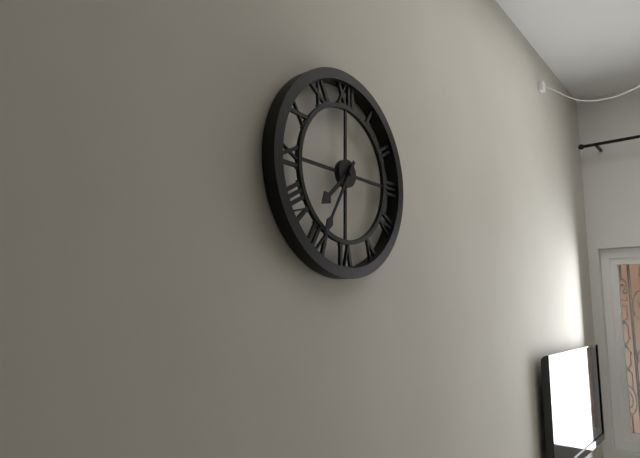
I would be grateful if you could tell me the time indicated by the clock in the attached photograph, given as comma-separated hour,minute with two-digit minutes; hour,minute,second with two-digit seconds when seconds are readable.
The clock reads 7,35
